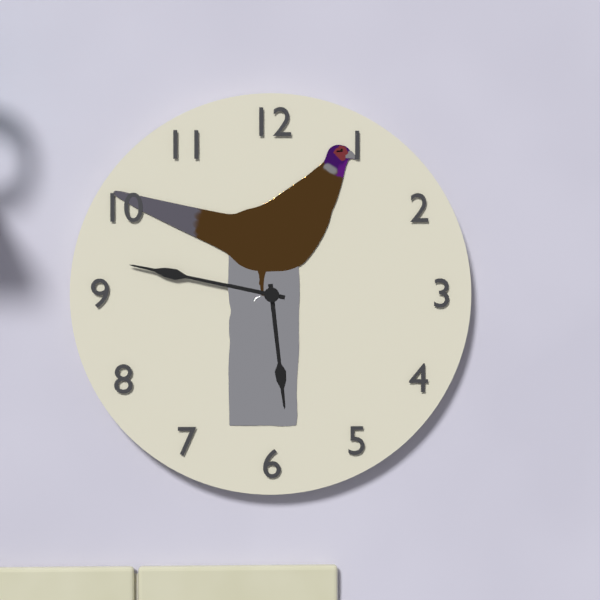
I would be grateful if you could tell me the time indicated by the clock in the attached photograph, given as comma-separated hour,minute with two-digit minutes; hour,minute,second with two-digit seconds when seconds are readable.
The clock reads 5,47
